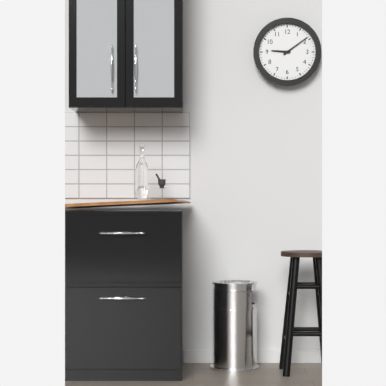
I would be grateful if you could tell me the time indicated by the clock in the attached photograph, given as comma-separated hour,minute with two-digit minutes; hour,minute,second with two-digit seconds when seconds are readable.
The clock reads 9,09
